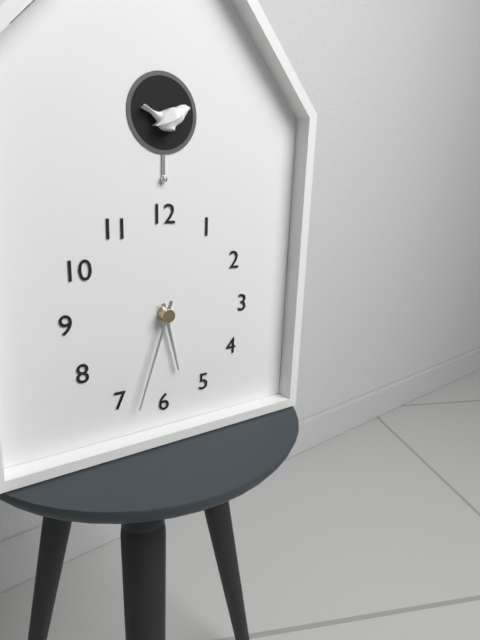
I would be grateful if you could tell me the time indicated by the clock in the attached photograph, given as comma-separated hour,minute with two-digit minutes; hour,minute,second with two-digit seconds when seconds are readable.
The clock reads 5,33
